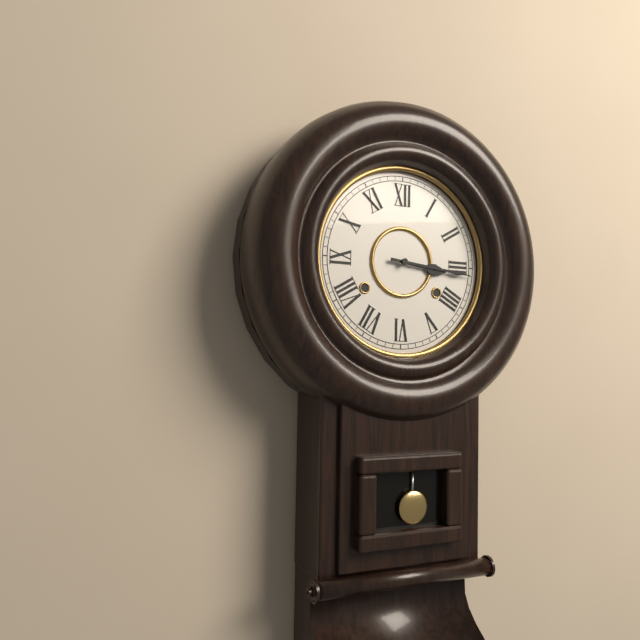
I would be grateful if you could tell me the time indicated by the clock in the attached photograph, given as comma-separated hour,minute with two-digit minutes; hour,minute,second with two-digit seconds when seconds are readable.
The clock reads 3,16
